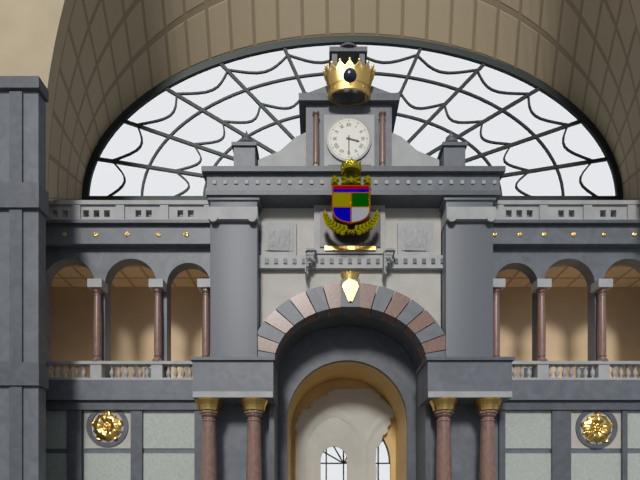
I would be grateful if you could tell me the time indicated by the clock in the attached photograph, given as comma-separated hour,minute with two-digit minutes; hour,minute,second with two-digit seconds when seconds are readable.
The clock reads 3,30
